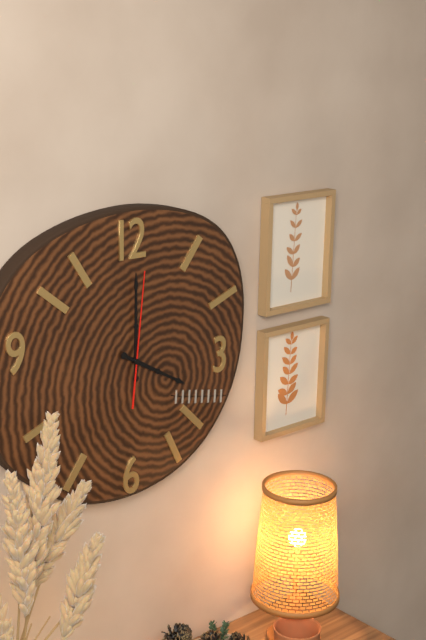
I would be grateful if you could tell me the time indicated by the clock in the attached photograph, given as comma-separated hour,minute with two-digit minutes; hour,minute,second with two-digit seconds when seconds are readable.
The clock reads 4,00,01
